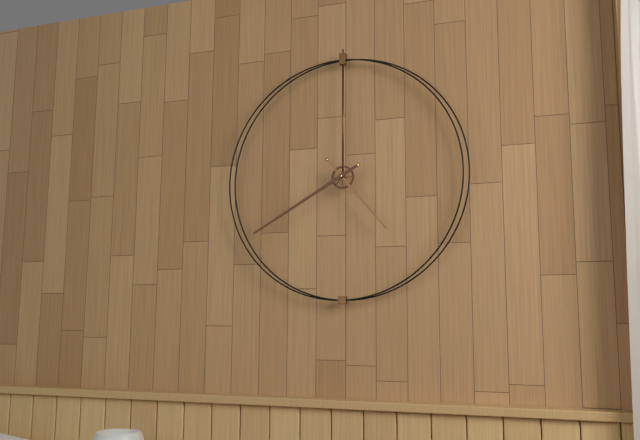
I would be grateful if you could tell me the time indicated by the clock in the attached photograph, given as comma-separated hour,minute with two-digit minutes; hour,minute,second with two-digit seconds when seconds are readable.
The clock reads 4,40
